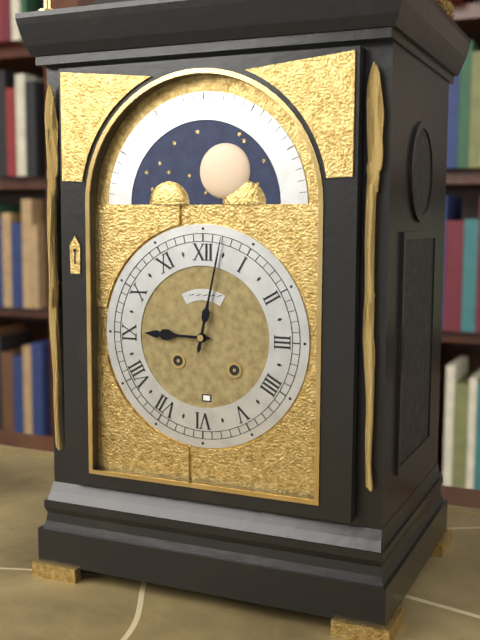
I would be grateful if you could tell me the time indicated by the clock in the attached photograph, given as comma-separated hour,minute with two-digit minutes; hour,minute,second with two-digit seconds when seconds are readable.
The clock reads 9,02
